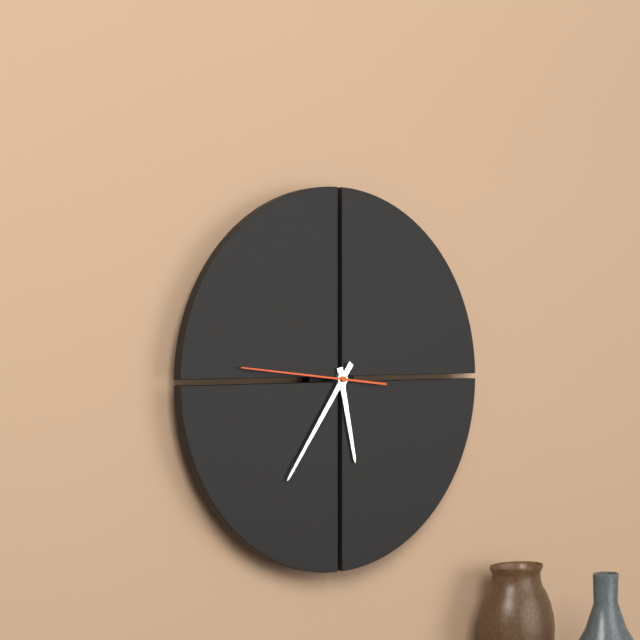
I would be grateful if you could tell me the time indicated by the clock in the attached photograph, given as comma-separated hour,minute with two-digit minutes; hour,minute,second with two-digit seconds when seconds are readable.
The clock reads 5,36,46
